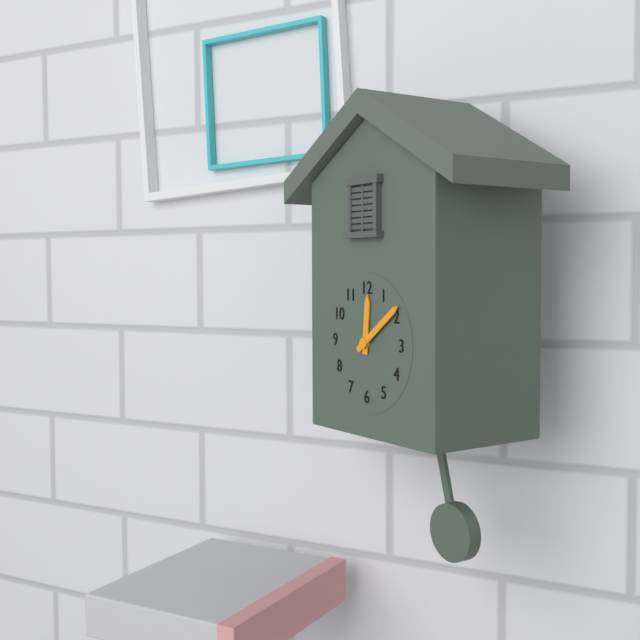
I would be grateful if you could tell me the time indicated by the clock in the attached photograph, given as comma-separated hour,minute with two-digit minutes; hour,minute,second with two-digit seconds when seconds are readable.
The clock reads 12,09
